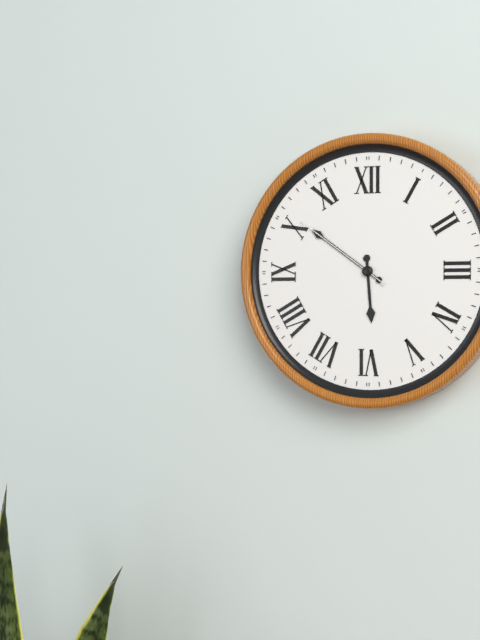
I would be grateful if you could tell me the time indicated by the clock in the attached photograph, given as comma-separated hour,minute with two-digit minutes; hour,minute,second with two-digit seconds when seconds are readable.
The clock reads 5,51,51
